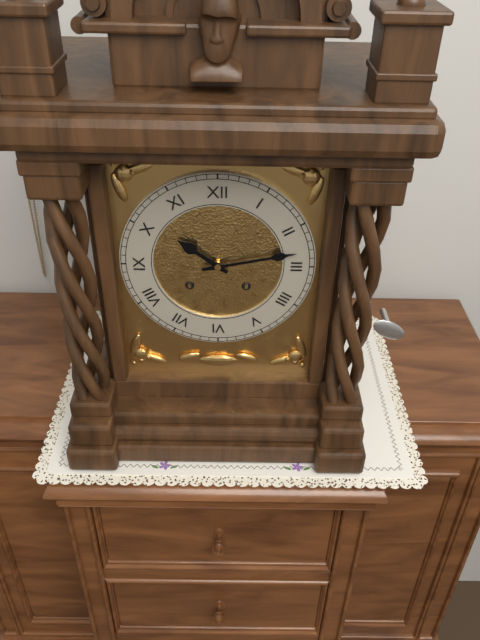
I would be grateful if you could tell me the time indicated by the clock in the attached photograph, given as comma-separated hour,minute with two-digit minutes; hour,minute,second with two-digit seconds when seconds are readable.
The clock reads 10,13
